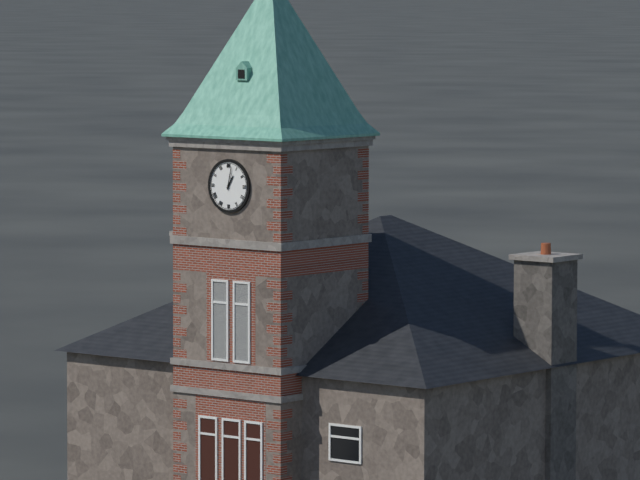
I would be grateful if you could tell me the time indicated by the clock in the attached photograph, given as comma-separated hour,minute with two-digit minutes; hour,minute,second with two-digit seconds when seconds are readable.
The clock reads 1,02
